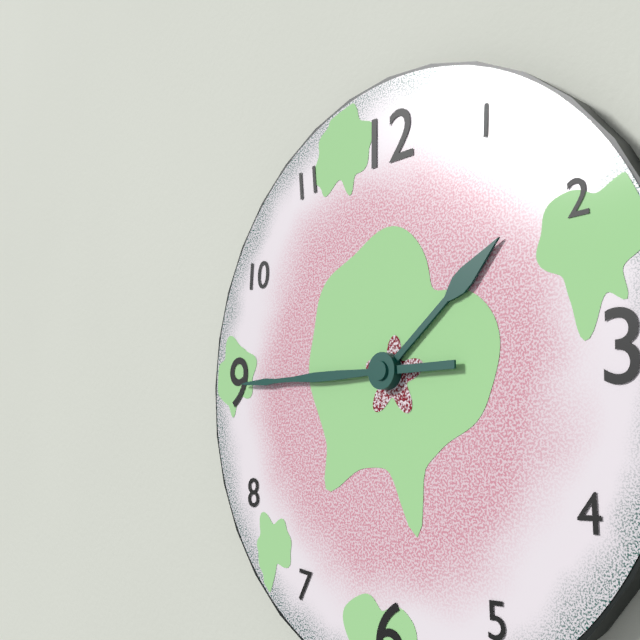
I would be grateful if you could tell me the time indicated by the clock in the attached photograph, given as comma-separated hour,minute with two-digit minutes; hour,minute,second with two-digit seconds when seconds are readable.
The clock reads 1,45
